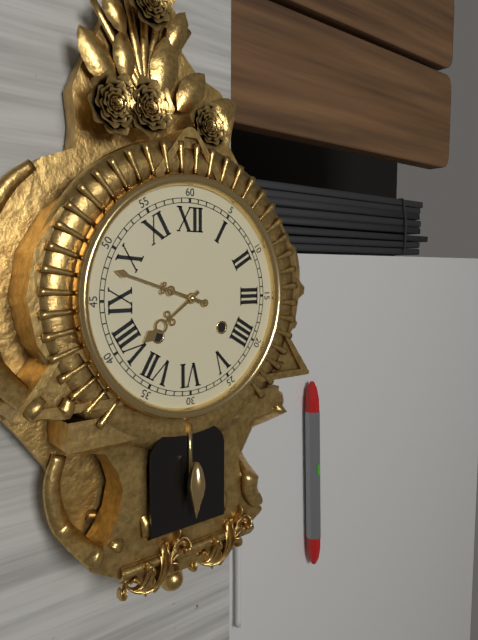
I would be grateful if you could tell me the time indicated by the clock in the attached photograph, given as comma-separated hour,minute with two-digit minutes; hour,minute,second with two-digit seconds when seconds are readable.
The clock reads 7,48
